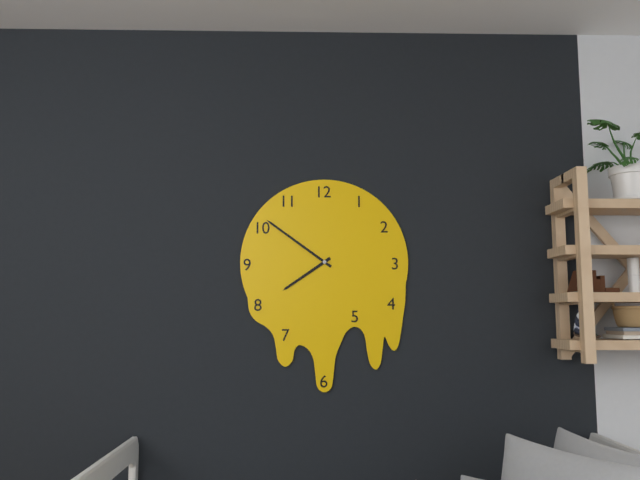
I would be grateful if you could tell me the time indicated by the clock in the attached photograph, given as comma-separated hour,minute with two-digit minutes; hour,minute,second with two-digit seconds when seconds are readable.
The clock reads 7,51
